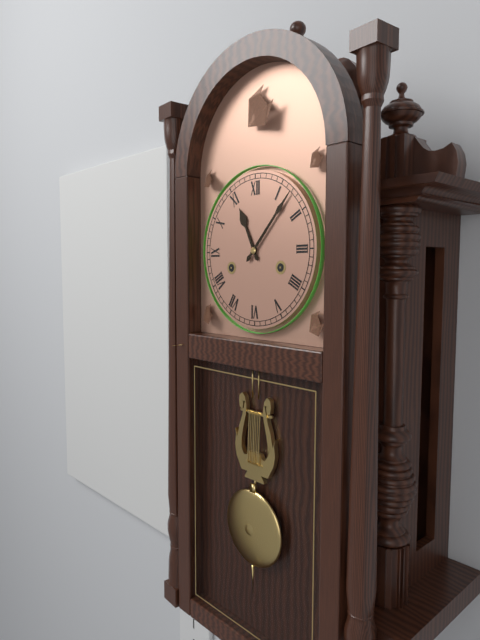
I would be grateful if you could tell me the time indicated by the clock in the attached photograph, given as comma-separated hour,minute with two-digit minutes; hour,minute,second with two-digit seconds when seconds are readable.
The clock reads 11,07
